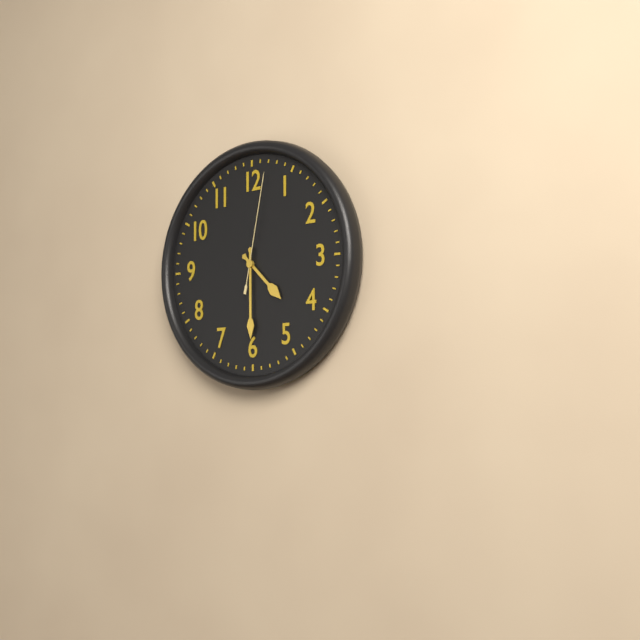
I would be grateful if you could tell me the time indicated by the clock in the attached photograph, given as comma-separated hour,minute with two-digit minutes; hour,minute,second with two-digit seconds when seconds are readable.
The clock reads 4,30,02
